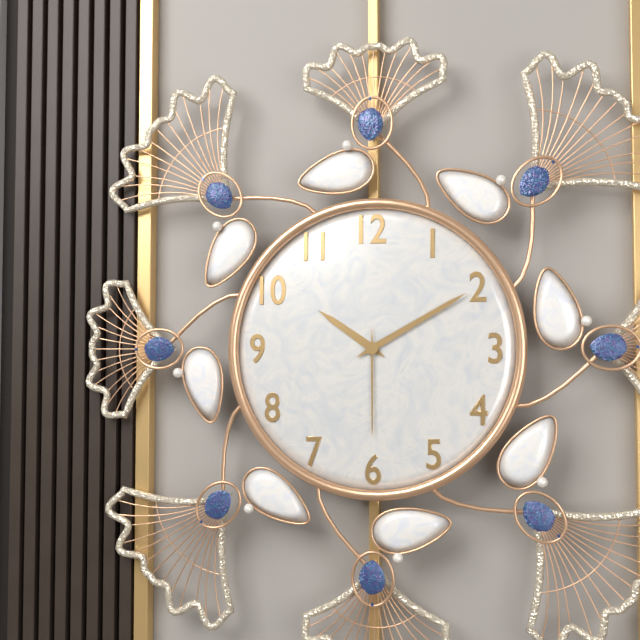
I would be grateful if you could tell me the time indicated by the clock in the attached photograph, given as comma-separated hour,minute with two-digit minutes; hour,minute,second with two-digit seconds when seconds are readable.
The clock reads 10,10,30
